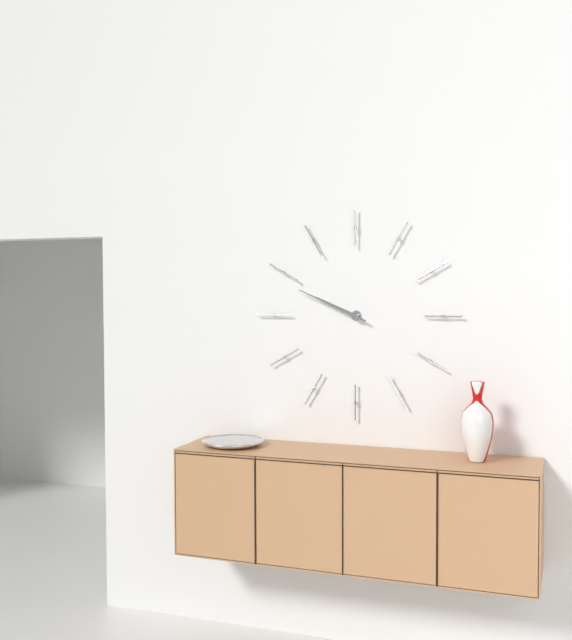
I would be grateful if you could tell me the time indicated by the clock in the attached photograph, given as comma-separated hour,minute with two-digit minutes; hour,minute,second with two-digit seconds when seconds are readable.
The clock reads 9,49
